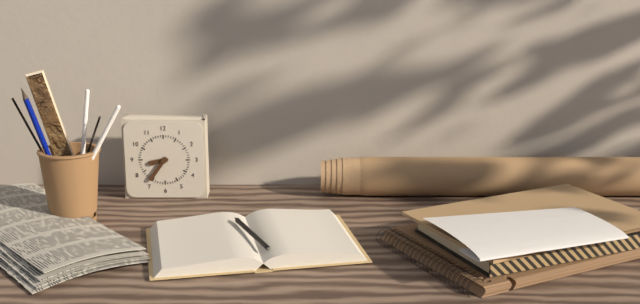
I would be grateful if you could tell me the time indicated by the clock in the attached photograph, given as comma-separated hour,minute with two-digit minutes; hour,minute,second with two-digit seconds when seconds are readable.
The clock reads 8,36
